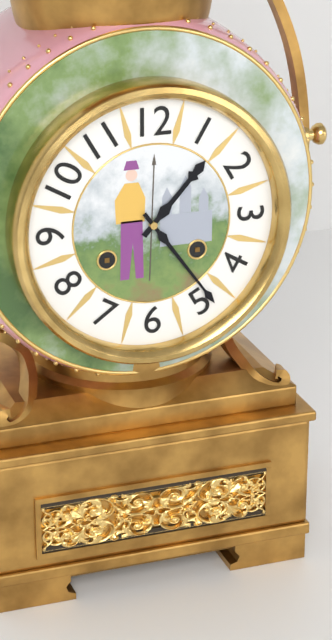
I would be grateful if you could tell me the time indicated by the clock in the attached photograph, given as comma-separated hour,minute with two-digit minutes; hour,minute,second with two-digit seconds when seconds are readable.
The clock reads 1,24
